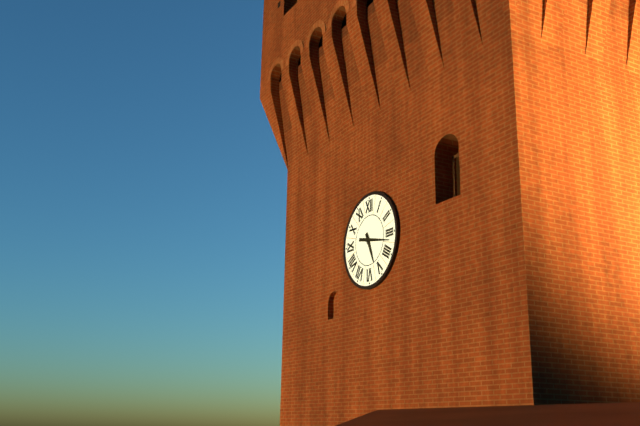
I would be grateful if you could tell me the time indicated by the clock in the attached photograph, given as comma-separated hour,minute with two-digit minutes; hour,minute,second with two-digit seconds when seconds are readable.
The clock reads 5,17
